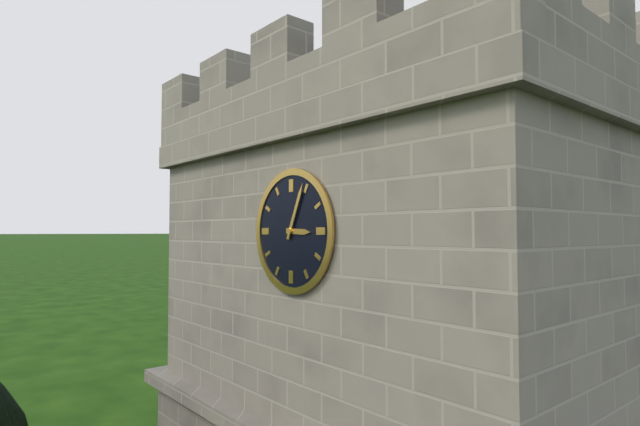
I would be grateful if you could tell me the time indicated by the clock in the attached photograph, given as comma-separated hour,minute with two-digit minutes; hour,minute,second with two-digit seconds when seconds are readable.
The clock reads 3,04
